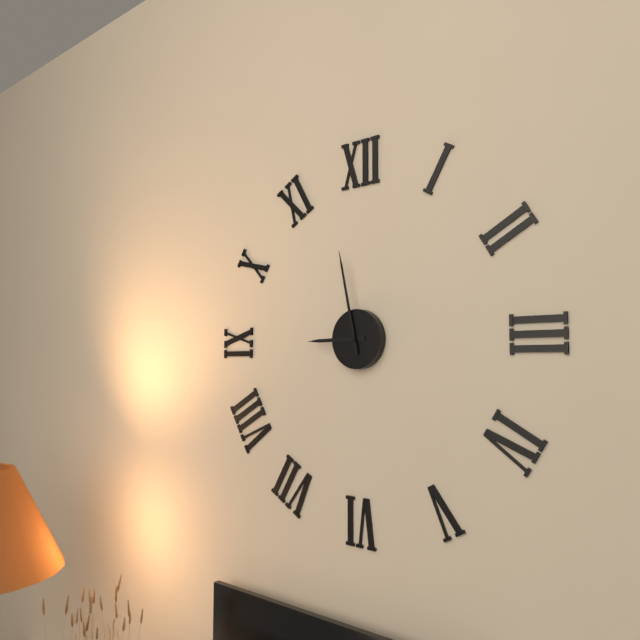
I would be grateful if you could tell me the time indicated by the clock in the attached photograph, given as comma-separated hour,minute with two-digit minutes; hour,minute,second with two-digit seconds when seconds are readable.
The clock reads 8,58
